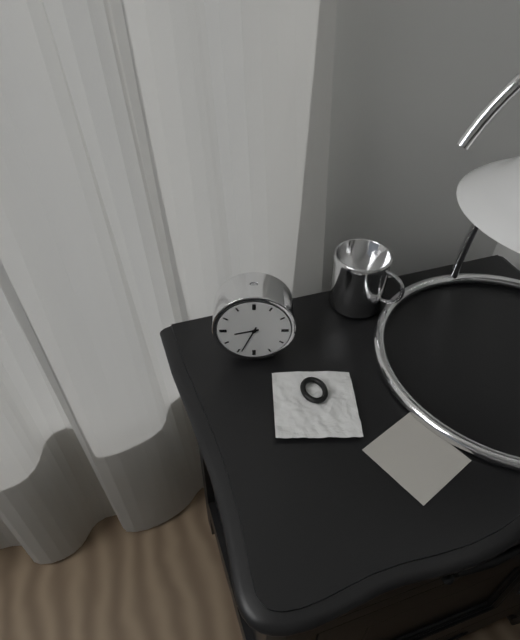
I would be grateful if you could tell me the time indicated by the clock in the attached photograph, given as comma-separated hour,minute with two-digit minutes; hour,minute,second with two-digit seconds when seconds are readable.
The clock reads 8,34
